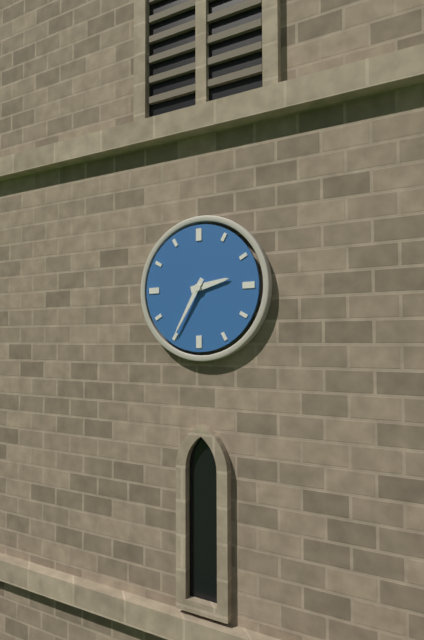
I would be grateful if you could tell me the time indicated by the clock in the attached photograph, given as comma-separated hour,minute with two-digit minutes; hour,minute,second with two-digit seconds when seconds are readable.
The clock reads 2,35
